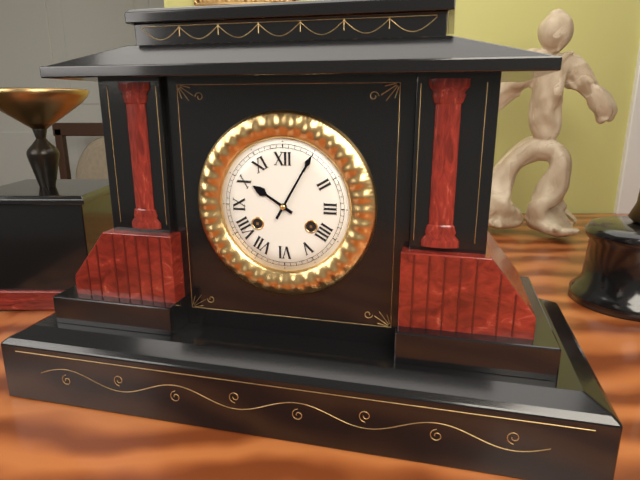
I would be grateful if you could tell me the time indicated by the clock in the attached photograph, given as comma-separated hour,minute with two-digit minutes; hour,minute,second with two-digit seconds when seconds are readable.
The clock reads 10,05
